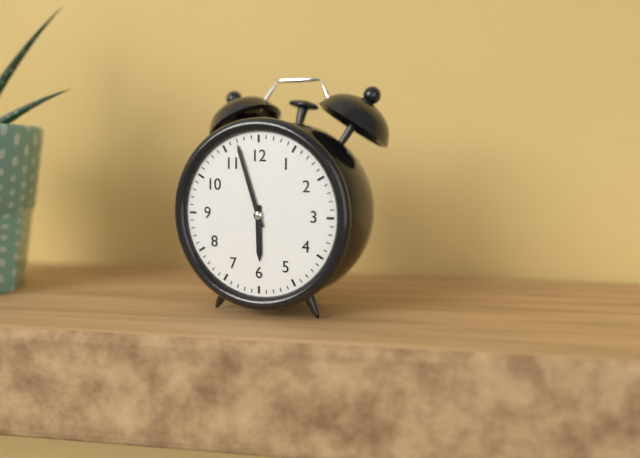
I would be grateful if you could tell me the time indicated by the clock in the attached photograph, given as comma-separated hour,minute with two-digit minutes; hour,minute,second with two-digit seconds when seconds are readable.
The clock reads 5,57
